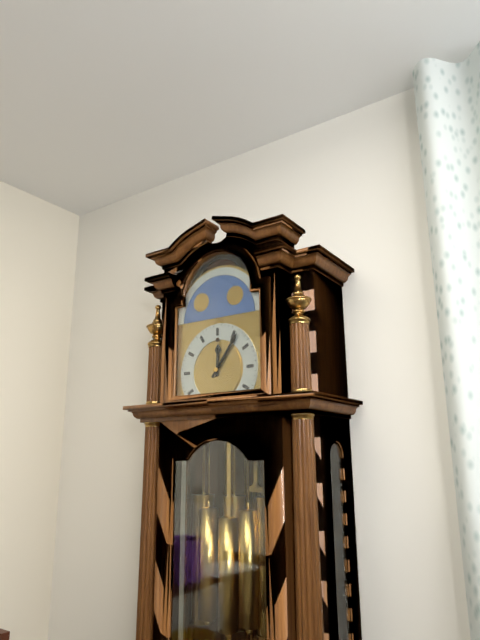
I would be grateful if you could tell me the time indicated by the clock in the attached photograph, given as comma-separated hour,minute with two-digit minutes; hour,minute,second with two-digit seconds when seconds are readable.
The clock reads 12,06
